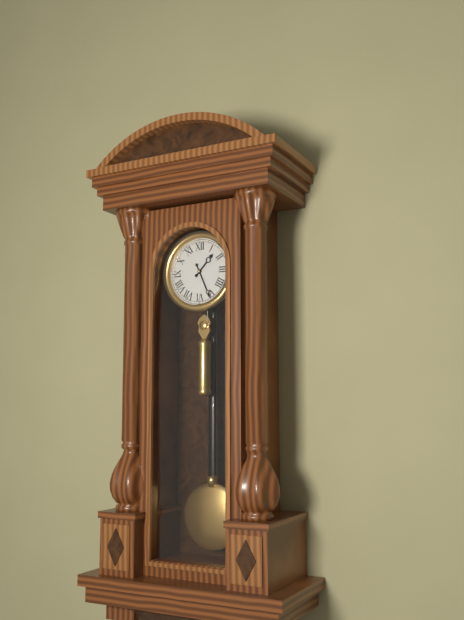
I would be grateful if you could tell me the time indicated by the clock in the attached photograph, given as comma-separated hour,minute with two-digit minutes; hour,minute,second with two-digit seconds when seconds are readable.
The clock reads 1,26
